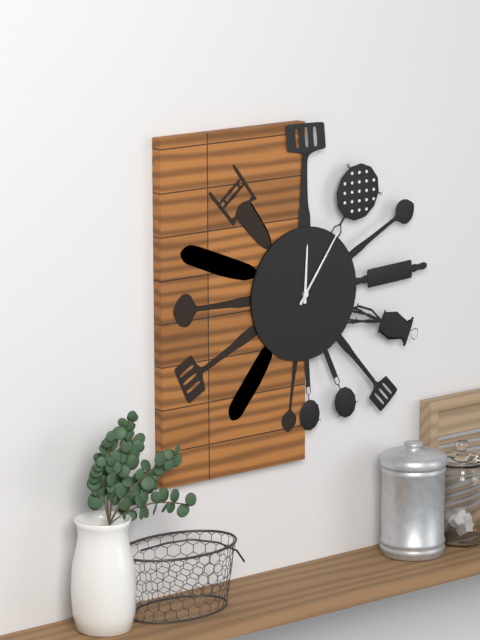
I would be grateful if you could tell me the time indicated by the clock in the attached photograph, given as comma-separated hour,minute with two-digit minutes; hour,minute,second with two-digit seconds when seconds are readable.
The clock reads 12,06
